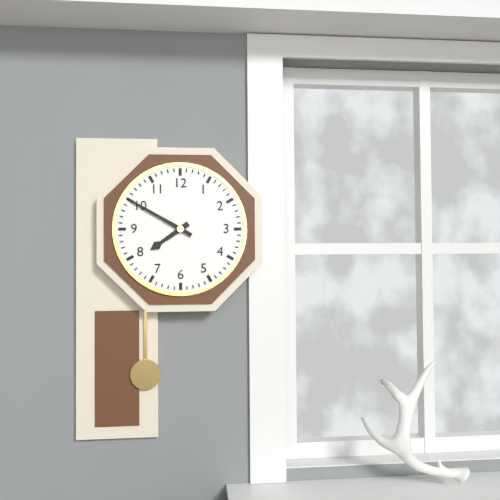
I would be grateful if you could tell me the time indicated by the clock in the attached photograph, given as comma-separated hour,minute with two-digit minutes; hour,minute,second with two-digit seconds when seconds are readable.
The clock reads 7,50
